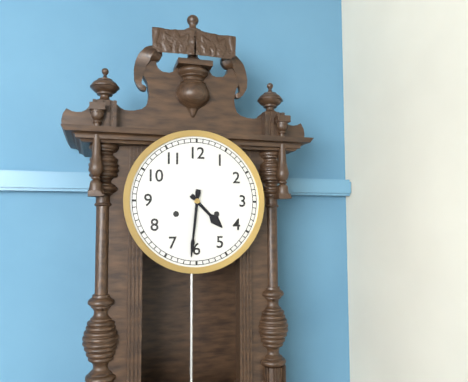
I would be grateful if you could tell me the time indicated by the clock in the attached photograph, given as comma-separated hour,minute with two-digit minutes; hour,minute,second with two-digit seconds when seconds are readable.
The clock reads 4,31
